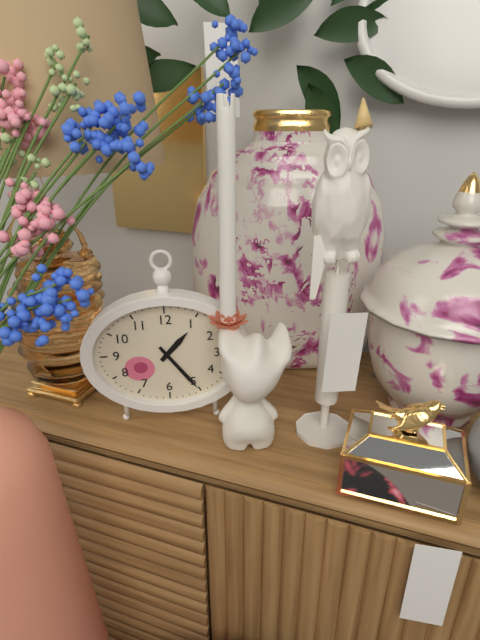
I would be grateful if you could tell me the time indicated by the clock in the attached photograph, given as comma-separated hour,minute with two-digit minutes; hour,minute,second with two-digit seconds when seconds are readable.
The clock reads 1,24
